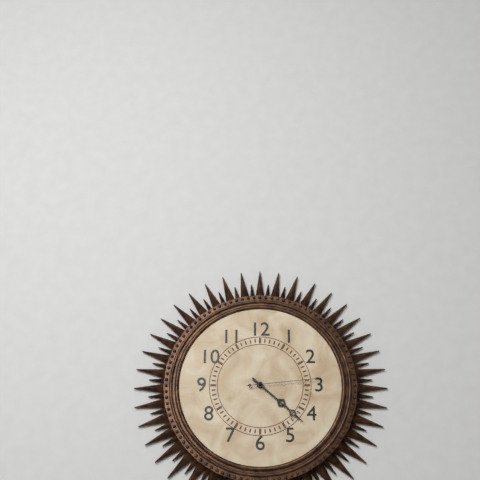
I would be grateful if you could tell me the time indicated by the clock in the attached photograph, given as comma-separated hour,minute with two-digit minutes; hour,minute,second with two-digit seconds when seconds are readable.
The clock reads 4,22,14
